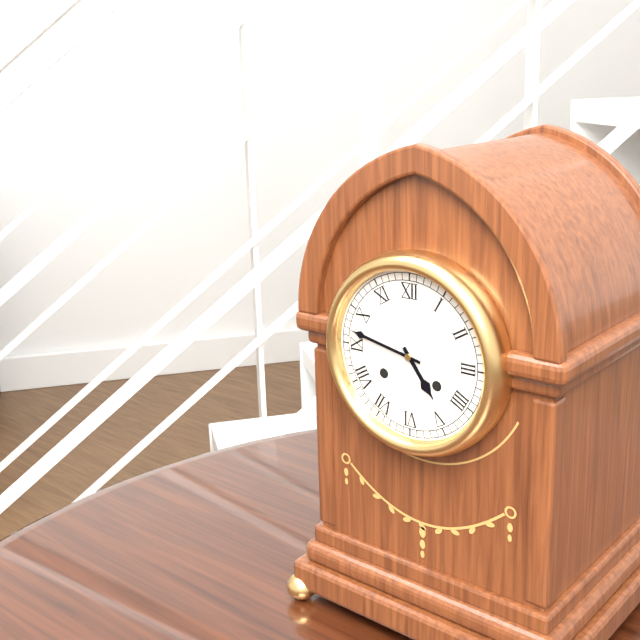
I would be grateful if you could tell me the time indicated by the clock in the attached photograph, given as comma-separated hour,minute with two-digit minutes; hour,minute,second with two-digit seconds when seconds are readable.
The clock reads 4,47
